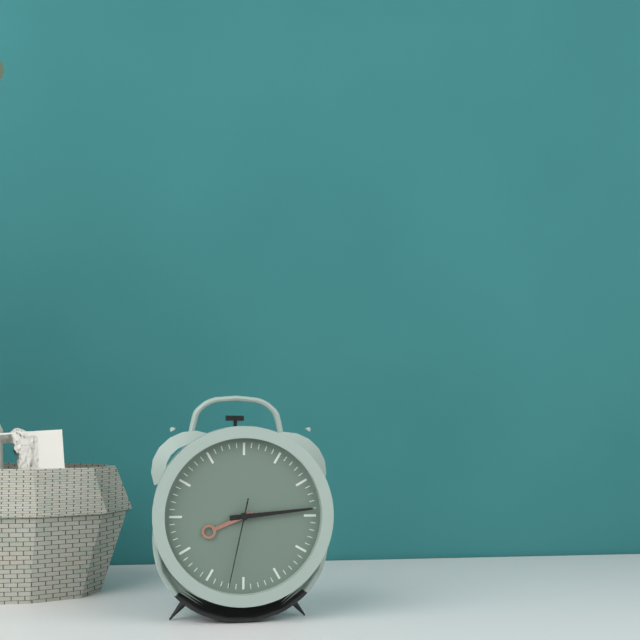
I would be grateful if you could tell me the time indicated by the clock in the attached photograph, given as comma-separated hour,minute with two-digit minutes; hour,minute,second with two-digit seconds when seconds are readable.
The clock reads 8,14,32
